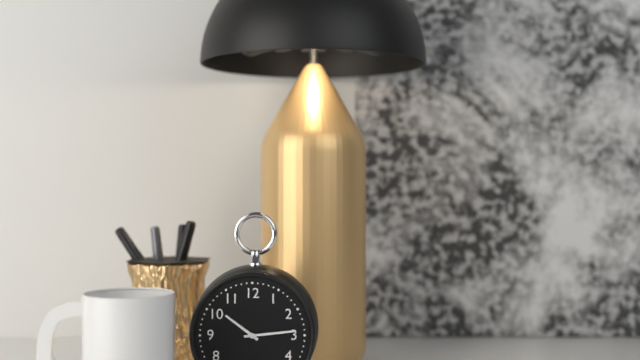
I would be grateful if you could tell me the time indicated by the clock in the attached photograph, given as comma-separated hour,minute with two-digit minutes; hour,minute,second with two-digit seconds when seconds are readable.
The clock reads 10,14
